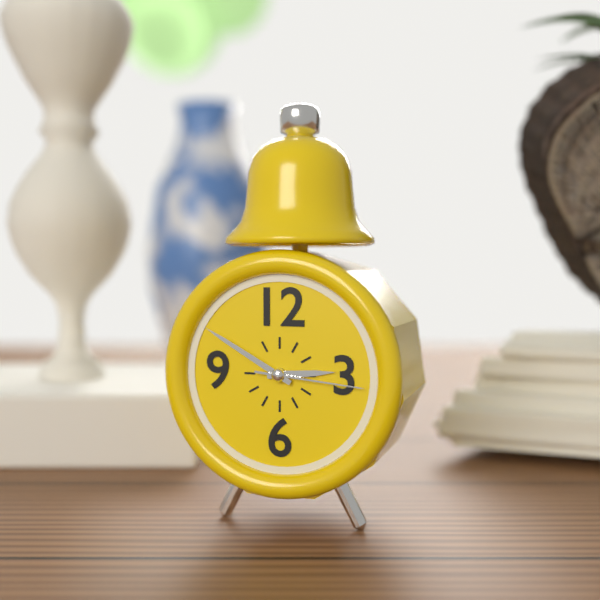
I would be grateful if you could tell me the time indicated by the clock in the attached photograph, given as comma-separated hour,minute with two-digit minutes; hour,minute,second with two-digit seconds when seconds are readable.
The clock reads 2,50,16
